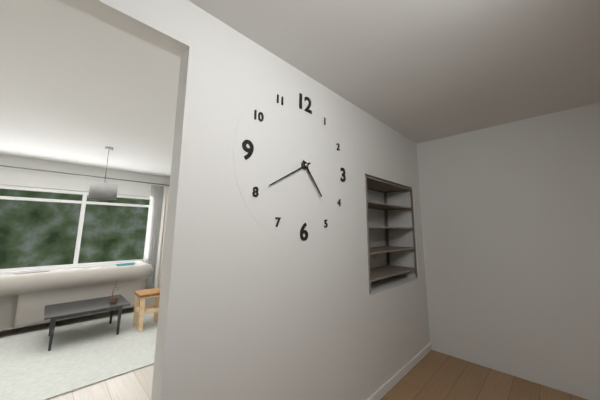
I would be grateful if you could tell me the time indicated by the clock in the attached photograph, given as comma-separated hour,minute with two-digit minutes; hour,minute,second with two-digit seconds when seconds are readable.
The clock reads 4,40
